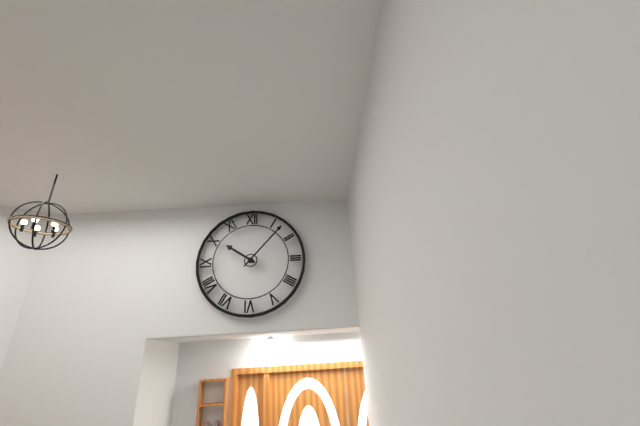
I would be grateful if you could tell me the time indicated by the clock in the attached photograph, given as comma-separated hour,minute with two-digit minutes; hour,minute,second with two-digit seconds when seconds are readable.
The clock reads 10,07
